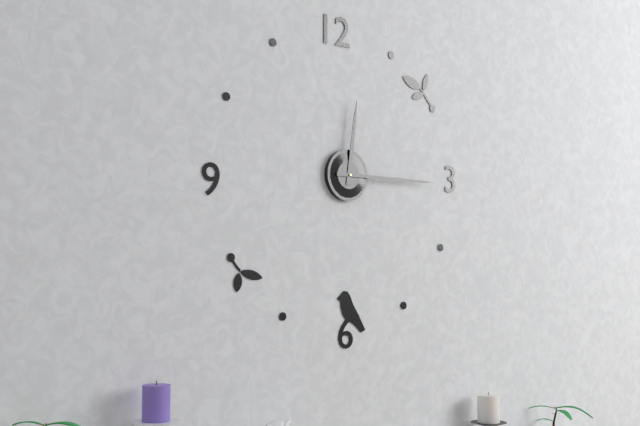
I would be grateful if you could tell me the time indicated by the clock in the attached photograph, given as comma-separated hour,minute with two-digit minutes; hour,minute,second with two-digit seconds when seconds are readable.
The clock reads 12,15
